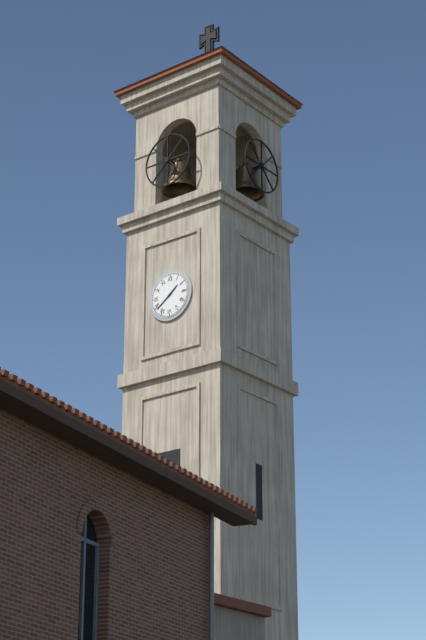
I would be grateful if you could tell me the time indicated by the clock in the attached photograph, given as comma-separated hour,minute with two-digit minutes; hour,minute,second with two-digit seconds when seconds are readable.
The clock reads 1,39
